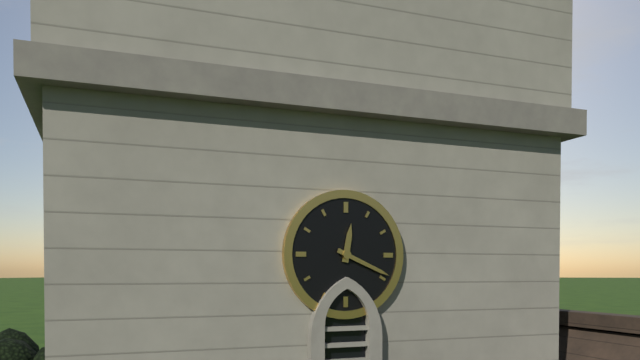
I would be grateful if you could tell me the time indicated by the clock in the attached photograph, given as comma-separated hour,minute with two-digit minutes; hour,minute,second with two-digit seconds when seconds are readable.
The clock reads 12,19
